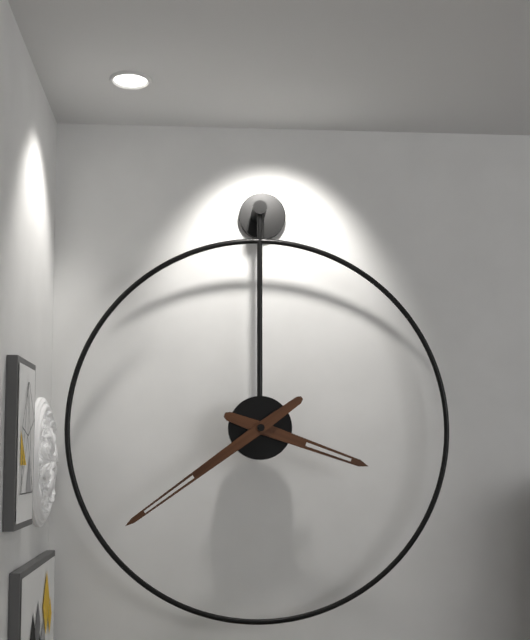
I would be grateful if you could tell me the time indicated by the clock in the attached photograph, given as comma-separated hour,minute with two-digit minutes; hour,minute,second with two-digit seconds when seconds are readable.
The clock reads 3,39
